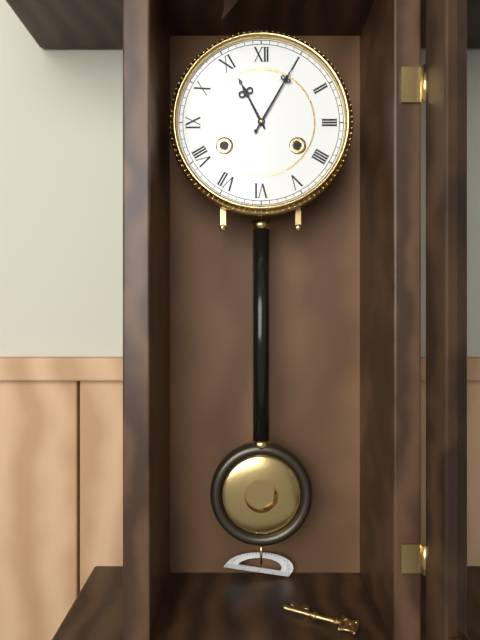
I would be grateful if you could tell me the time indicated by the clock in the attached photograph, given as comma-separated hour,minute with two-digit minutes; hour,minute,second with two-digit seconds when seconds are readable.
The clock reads 11,05
